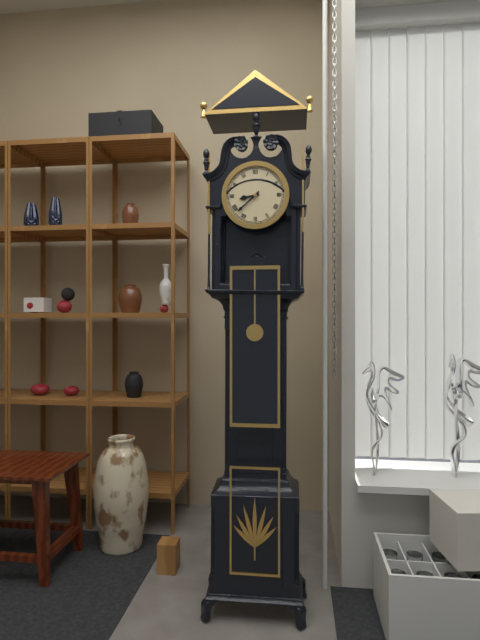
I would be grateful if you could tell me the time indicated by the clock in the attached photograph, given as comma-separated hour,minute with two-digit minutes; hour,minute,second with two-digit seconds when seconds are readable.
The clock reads 8,38
